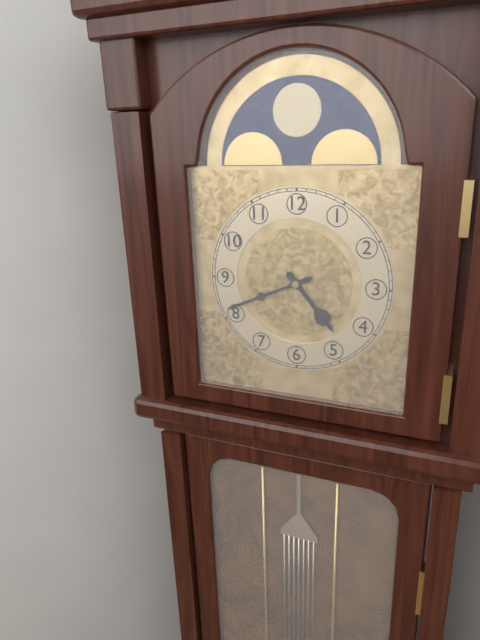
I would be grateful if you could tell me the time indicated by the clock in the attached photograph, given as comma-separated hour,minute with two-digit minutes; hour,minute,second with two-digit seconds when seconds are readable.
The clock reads 4,41
